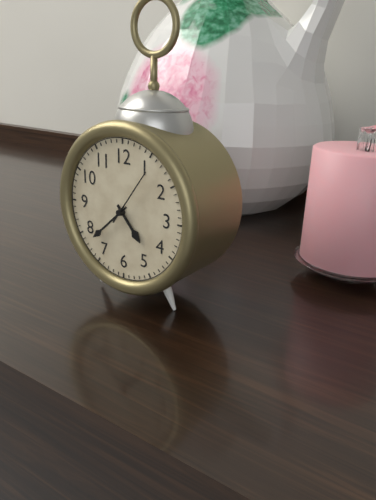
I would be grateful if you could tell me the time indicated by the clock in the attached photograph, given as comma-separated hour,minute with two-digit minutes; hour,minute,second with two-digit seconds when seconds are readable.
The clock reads 4,38,06
